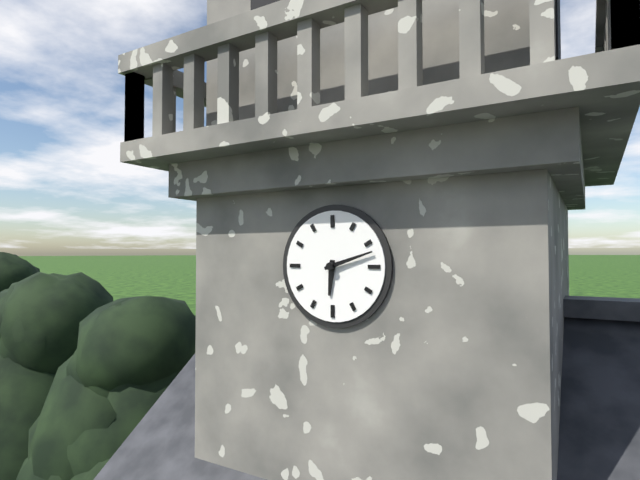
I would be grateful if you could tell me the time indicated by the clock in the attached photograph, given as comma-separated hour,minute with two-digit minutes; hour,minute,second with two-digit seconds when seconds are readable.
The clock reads 6,12
